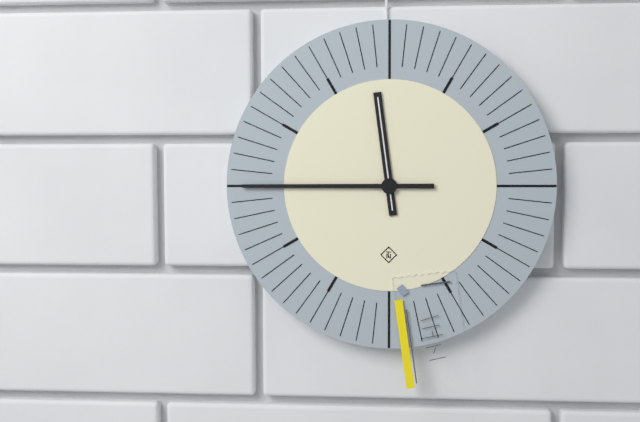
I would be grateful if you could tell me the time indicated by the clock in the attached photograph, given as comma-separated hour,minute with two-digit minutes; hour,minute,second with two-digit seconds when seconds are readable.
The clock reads 11,45
